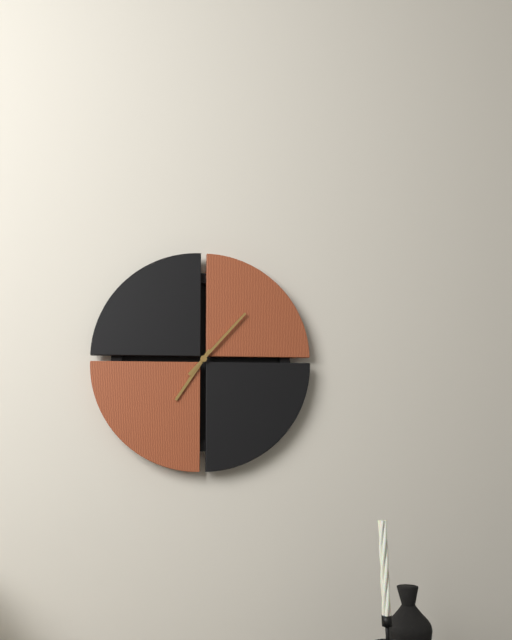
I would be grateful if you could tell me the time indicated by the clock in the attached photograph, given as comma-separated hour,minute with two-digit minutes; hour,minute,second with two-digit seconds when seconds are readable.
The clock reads 7,07
